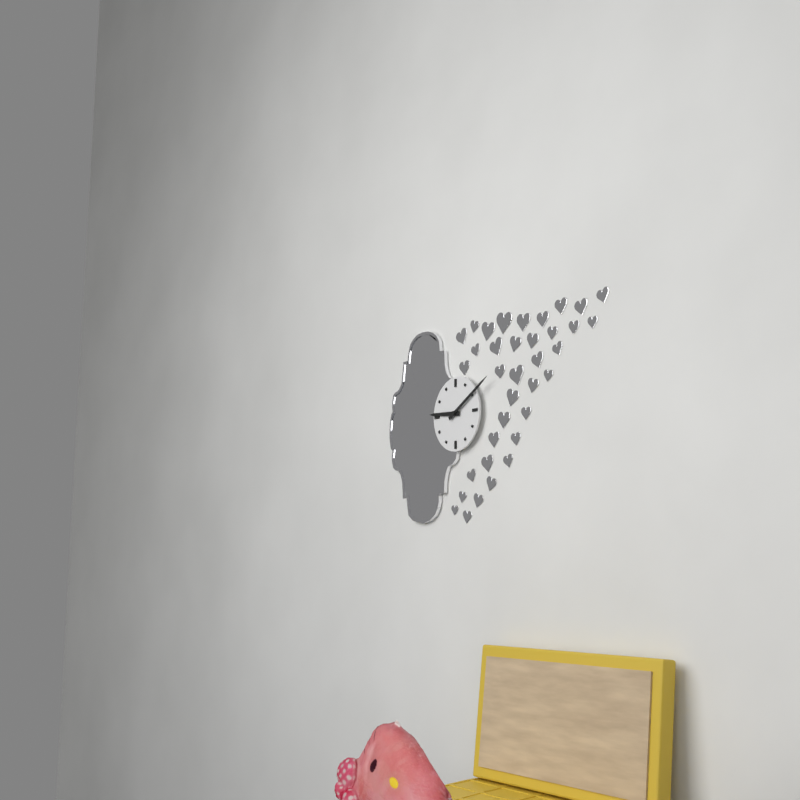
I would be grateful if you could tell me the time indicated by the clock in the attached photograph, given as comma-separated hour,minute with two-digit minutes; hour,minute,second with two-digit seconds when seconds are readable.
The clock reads 9,10
